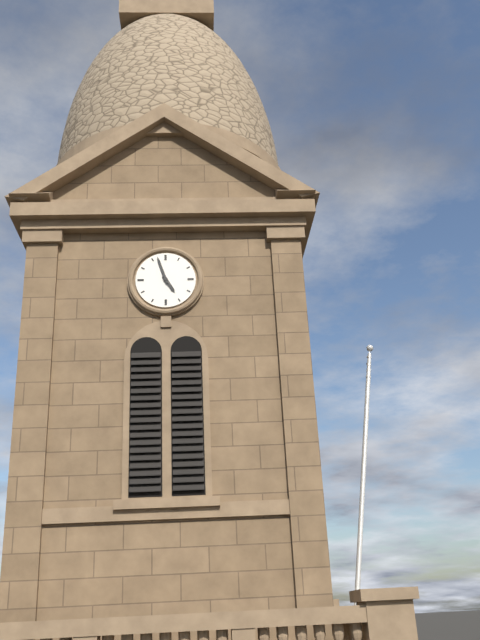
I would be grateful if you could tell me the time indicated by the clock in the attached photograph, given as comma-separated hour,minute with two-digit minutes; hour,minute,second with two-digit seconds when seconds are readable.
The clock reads 4,57
